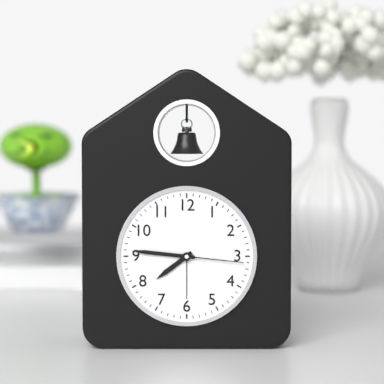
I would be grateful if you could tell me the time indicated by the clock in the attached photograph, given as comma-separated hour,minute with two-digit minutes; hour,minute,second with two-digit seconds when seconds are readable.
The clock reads 7,46,16
